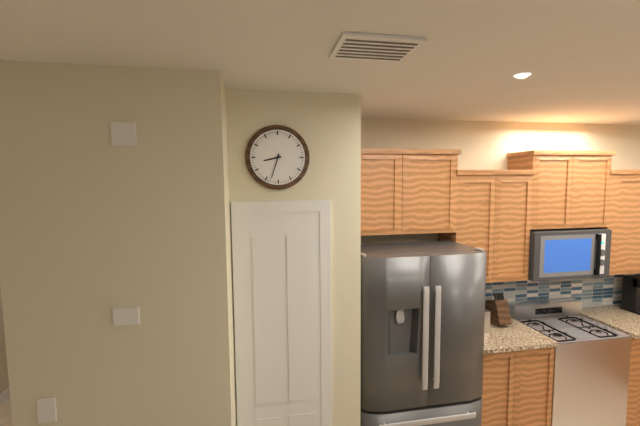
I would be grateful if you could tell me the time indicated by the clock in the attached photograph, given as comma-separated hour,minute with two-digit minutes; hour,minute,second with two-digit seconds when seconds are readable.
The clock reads 8,33
